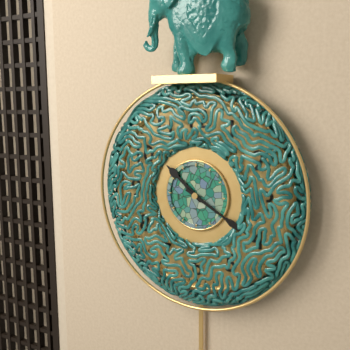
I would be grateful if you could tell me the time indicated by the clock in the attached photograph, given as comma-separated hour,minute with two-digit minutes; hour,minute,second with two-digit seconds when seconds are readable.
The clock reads 10,20
